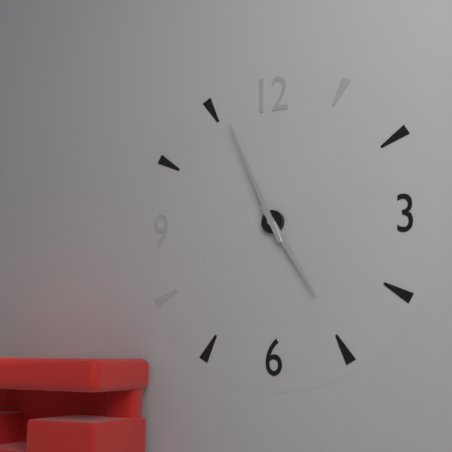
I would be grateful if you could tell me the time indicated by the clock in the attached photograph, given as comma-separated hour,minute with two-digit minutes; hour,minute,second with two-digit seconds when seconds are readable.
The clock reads 4,56
